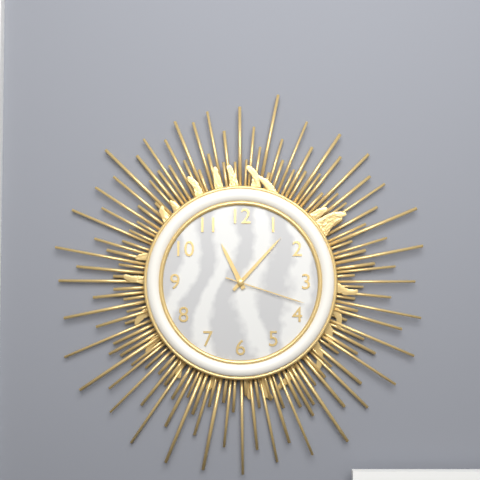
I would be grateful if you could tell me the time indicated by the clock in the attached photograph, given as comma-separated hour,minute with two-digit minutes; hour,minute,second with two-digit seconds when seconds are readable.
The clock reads 11,07,18
